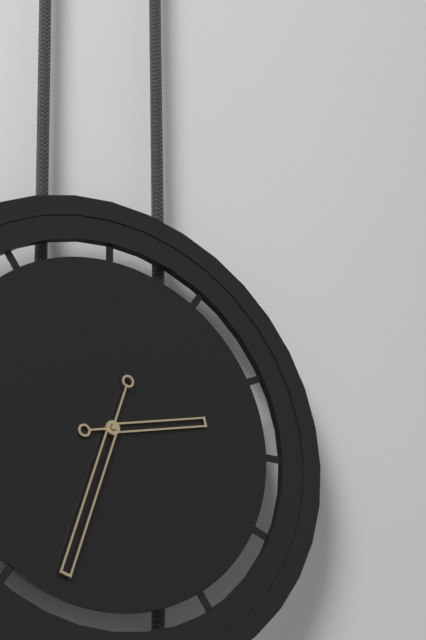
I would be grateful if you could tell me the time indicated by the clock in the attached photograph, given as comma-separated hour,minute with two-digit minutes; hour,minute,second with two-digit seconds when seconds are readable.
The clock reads 2,33
